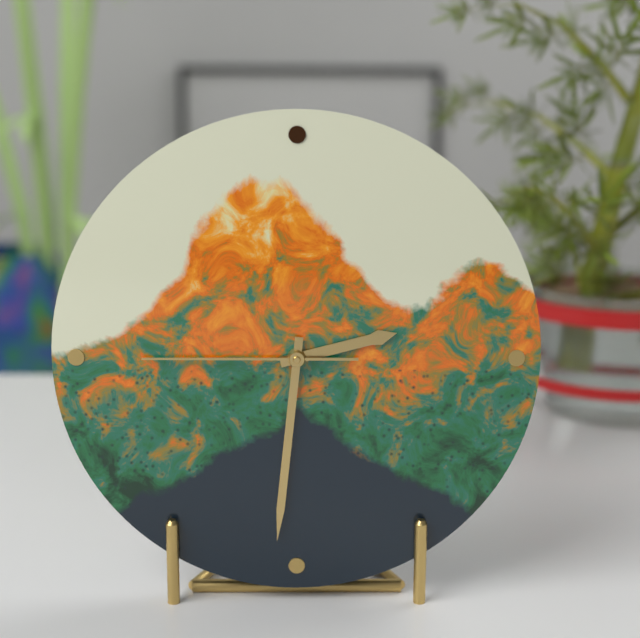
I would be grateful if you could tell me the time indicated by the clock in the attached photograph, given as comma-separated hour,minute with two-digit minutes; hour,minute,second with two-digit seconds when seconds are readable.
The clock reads 2,31,45
